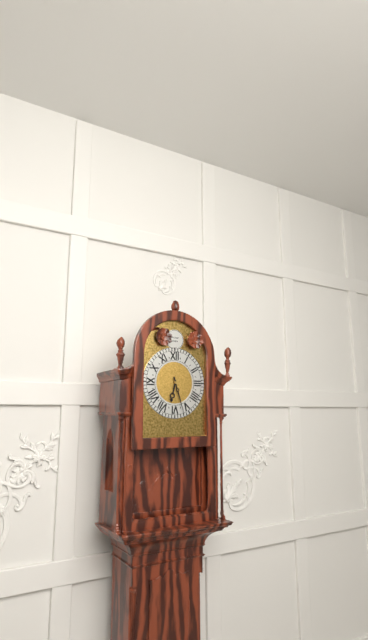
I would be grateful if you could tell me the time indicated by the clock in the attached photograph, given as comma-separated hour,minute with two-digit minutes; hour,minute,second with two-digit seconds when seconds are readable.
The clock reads 6,27
